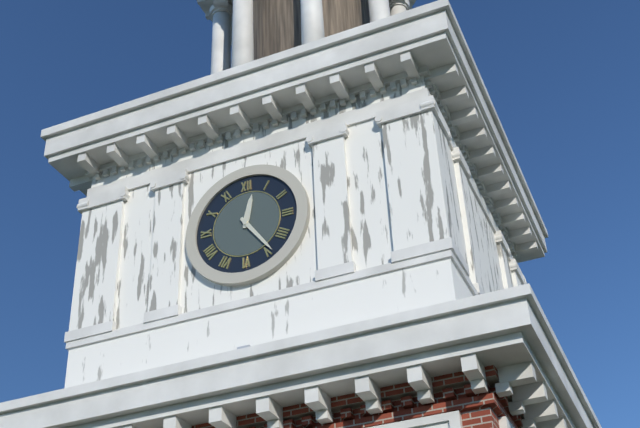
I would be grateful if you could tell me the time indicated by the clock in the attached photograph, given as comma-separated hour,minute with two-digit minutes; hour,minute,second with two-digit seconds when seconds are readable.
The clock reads 12,24
